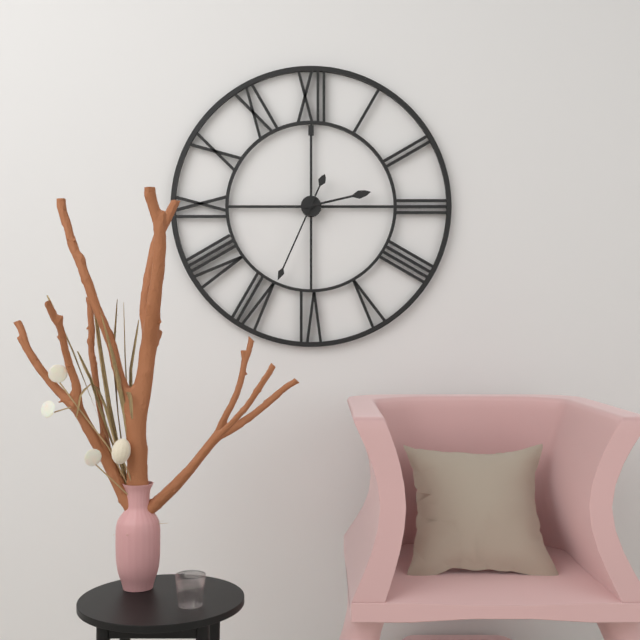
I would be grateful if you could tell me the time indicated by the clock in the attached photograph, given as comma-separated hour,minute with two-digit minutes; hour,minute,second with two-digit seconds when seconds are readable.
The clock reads 2,34
